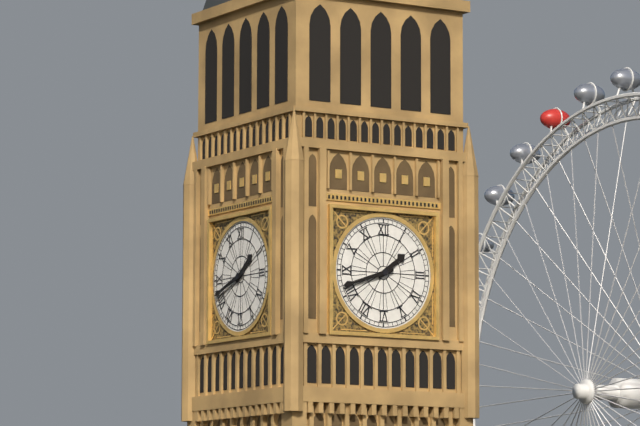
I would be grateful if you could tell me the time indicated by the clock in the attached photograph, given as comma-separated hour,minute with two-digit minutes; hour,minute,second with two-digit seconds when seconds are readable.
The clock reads 1,42
